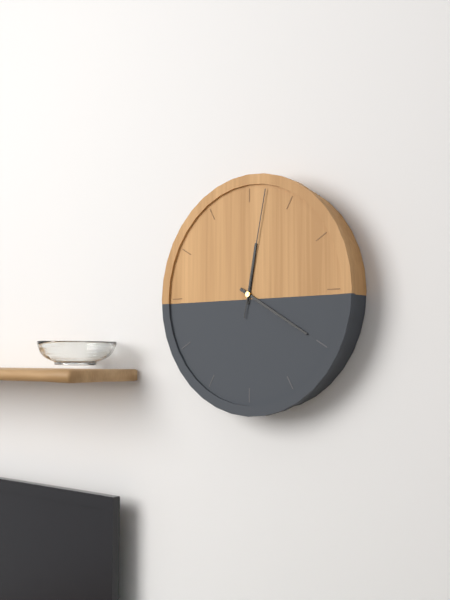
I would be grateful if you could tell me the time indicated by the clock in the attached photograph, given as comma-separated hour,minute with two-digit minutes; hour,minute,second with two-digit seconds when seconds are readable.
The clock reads 12,20,02
